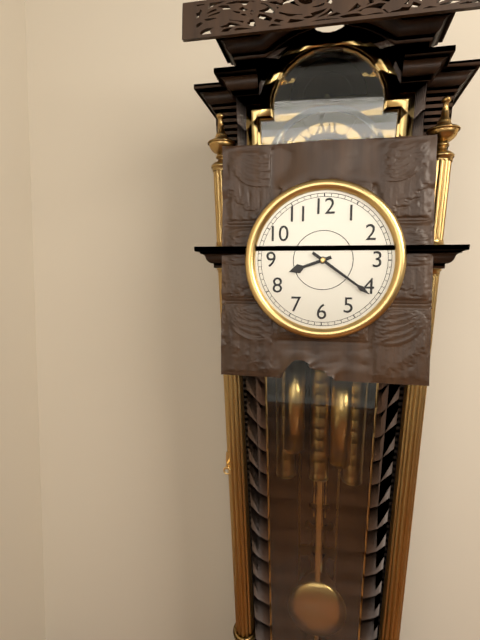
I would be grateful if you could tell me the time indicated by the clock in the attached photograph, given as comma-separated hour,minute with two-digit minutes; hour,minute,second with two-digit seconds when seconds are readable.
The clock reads 8,21
